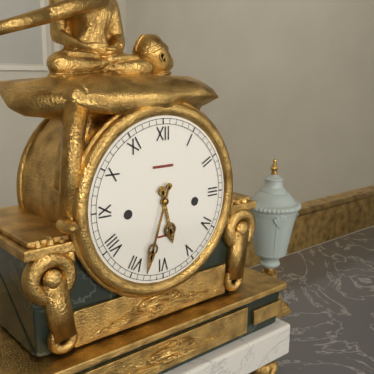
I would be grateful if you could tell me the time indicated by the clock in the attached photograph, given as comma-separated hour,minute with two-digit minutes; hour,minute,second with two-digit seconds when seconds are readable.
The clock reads 5,33
